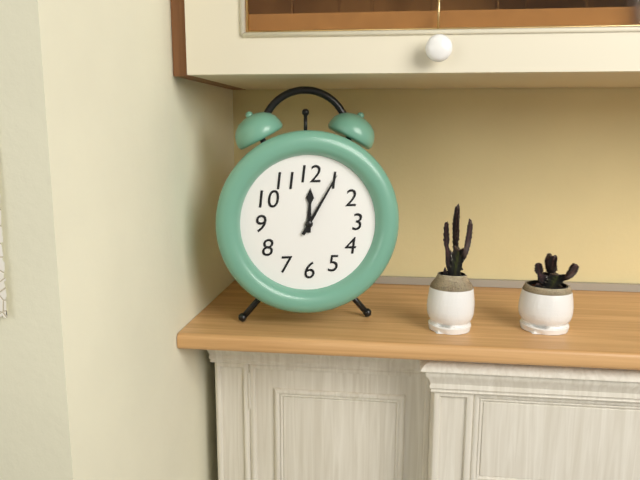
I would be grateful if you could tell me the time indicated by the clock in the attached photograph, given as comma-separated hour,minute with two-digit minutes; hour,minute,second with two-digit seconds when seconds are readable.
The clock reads 12,05
